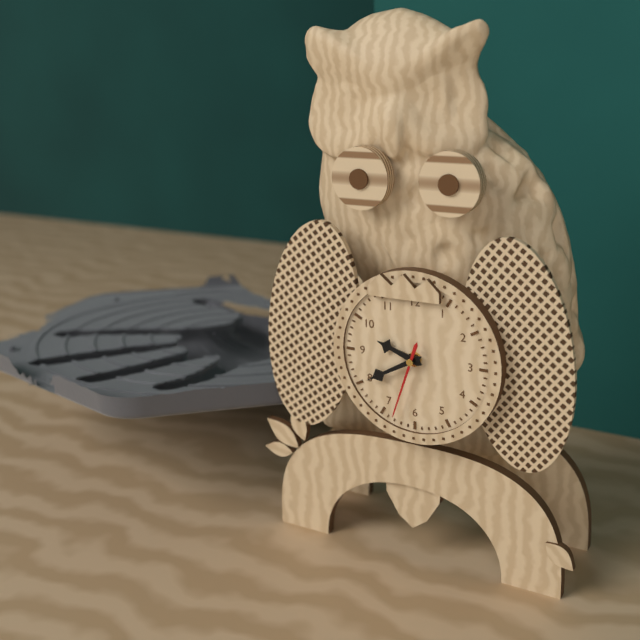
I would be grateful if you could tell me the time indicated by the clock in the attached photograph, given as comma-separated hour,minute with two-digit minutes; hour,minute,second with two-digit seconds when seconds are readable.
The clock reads 9,40,33
